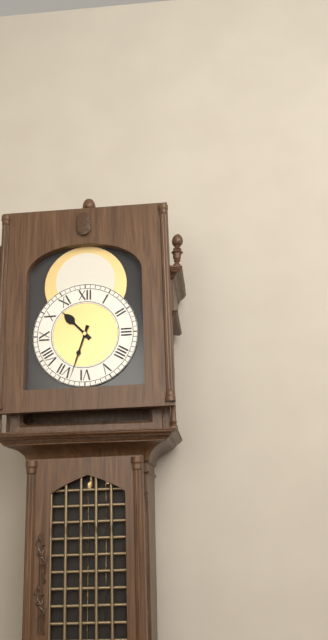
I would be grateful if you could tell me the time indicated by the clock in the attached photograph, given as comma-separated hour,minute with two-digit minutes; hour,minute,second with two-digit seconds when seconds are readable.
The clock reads 10,33
